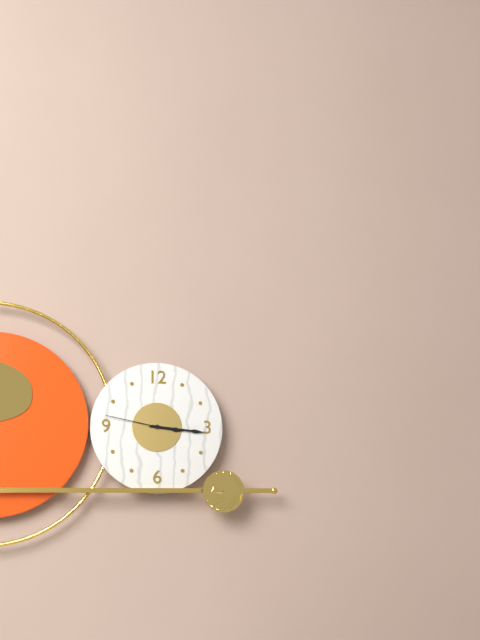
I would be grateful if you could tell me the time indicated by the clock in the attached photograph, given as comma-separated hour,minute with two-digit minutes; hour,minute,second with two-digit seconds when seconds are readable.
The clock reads 3,16,47
